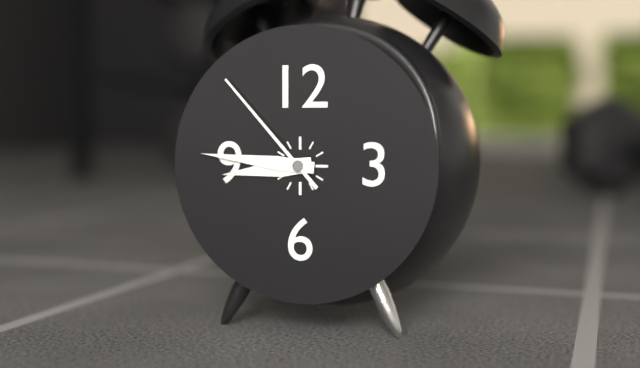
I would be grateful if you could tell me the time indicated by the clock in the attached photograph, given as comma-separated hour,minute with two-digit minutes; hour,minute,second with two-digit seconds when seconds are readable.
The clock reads 8,46,53
